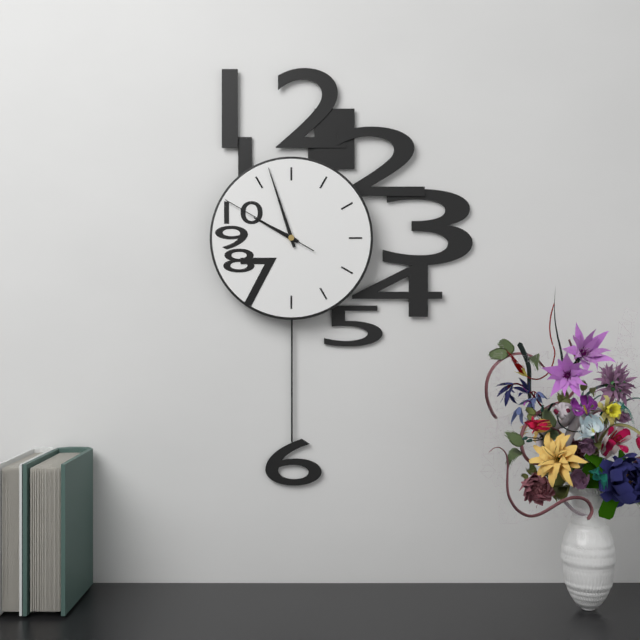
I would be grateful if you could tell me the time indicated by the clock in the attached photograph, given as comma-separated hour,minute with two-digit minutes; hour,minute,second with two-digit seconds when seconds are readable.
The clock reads 9,57,50
